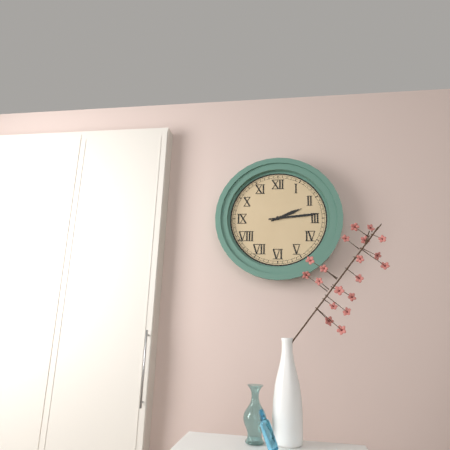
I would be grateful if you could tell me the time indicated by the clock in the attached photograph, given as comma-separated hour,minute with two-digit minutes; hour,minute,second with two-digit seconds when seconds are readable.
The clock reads 2,14
